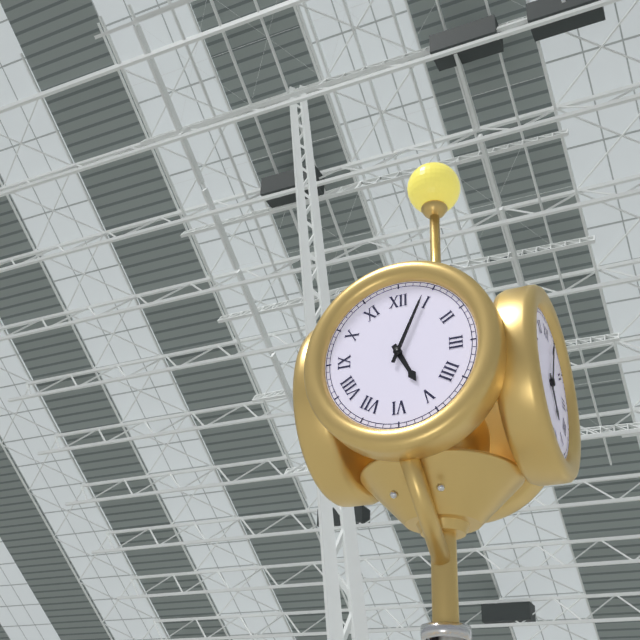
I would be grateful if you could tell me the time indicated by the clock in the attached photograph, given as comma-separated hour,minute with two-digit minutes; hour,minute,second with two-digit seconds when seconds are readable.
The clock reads 5,04
